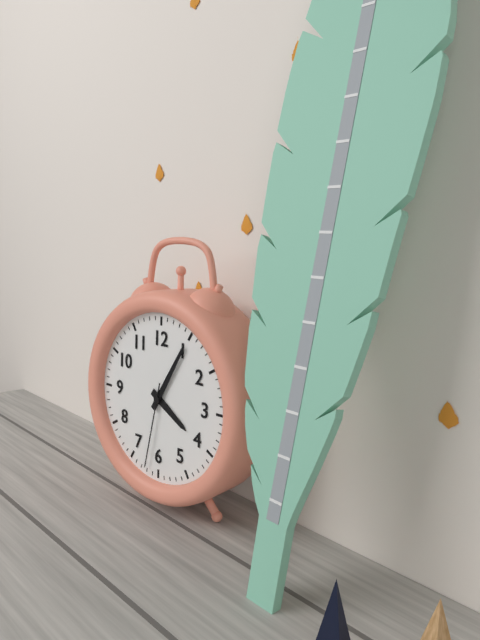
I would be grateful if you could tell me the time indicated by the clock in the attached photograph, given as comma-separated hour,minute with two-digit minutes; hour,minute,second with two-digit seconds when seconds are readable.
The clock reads 4,05,32
